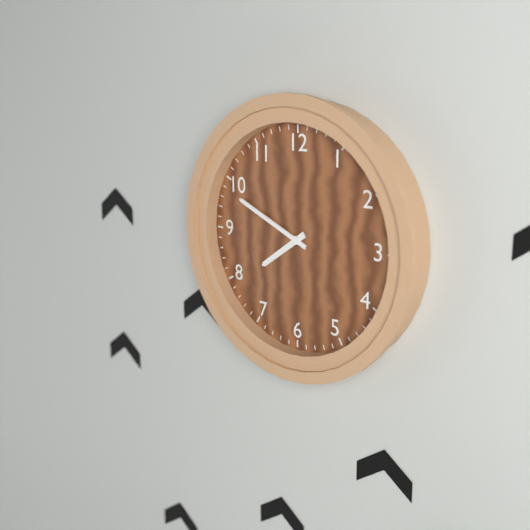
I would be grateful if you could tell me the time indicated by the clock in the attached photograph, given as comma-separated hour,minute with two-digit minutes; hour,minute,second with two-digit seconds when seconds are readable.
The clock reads 7,49
